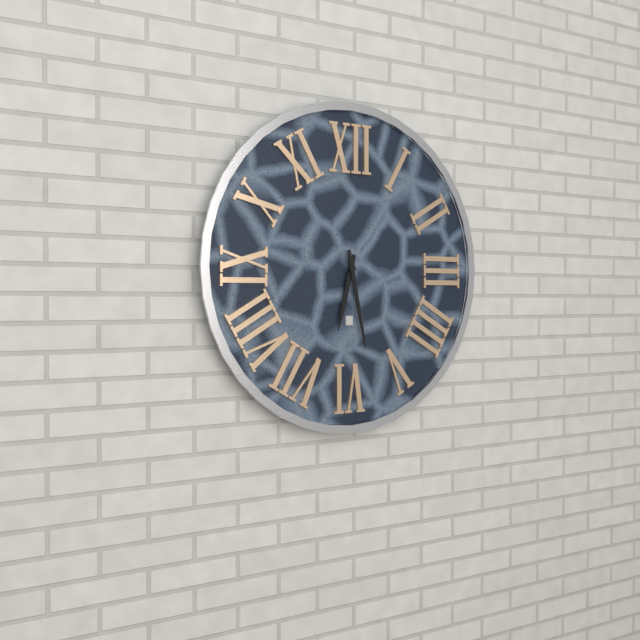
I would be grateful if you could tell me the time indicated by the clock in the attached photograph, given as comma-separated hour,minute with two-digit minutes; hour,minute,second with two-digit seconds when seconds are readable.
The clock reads 6,28
